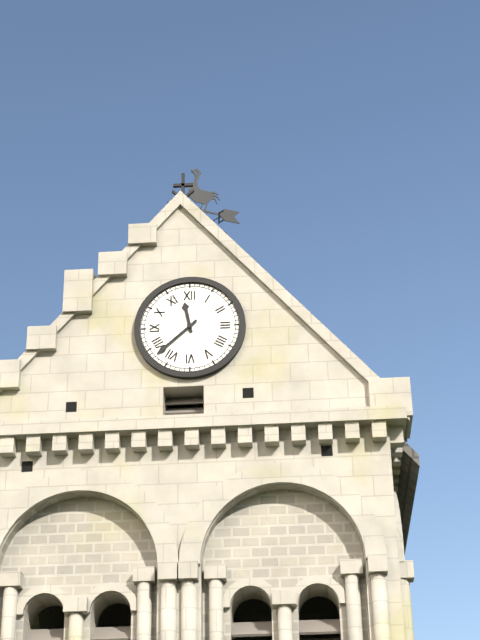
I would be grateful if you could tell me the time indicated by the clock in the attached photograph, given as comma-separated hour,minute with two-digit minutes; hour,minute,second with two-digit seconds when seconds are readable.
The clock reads 11,38
